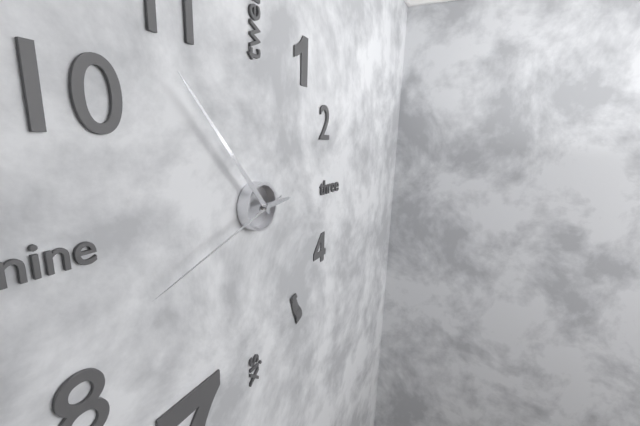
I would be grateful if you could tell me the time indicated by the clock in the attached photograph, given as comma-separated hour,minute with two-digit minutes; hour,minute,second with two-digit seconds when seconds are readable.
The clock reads 2,53,42
